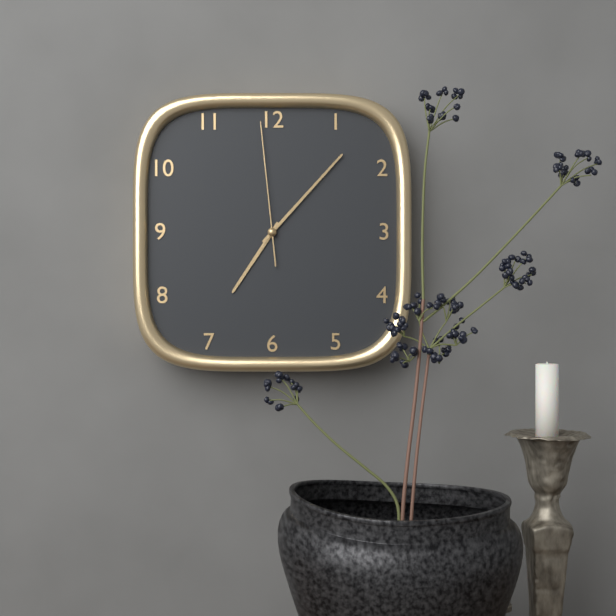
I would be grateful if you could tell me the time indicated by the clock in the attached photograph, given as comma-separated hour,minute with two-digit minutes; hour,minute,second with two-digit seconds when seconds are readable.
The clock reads 7,07,59
